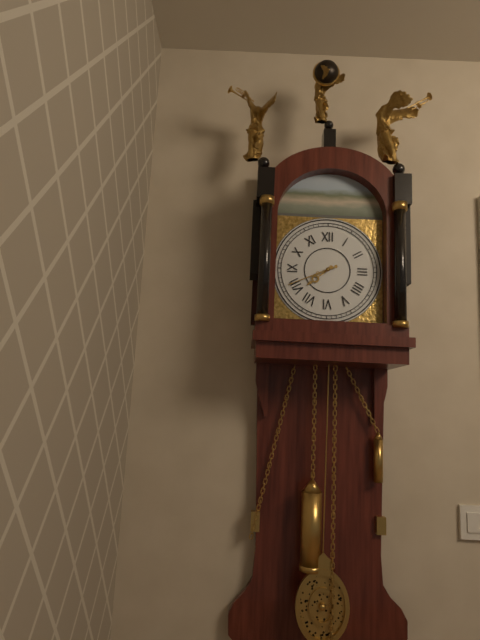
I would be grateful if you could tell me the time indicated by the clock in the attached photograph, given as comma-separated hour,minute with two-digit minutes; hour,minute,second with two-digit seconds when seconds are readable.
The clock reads 7,41
